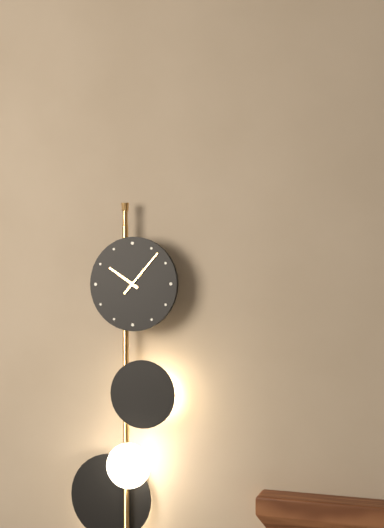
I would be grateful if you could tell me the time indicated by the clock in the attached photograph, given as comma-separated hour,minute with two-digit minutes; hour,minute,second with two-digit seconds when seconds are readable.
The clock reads 10,07
